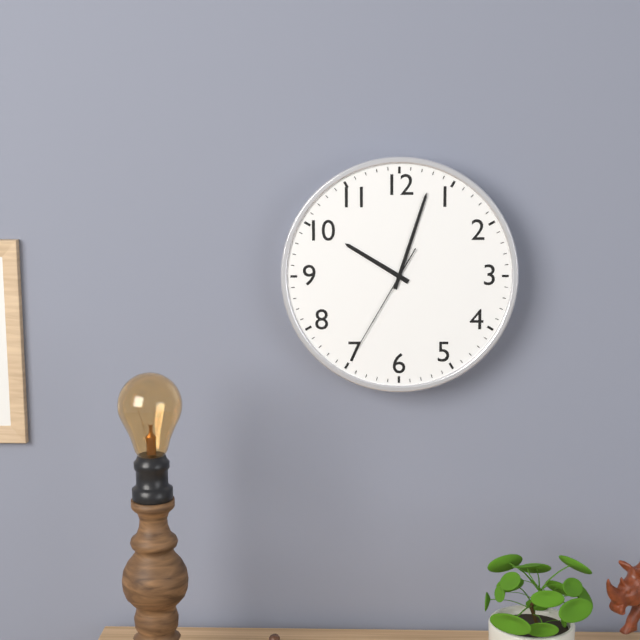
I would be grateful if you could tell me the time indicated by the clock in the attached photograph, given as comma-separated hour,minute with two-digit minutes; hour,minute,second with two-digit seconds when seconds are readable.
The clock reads 10,03,35
